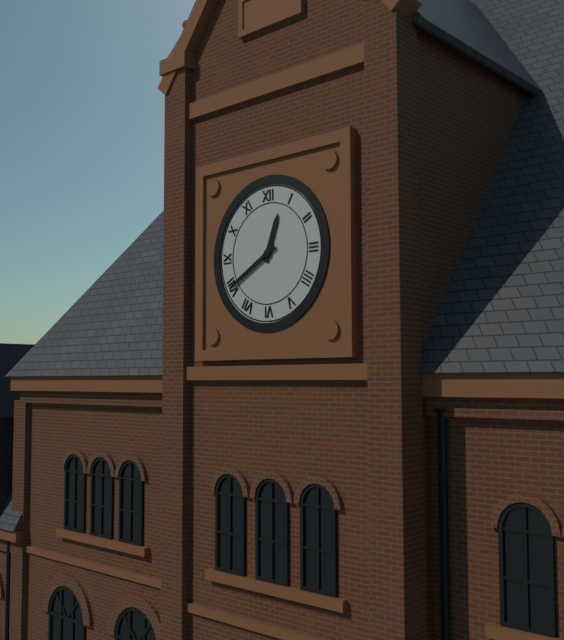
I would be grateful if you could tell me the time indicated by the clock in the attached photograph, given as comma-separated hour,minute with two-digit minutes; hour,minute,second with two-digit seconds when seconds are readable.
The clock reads 12,40
